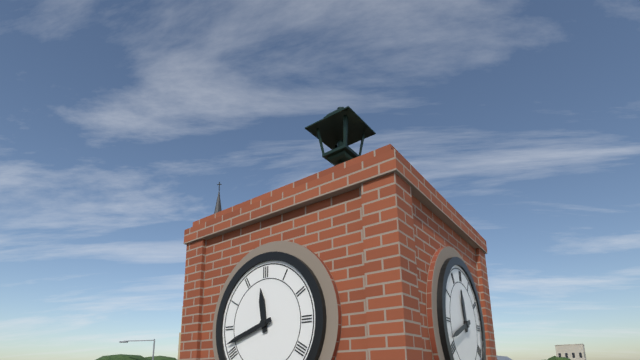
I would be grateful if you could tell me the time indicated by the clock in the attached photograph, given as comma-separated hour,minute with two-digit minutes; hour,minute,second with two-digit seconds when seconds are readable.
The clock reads 11,42
